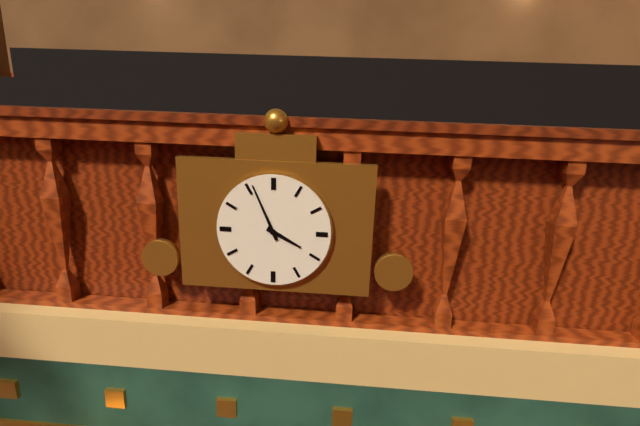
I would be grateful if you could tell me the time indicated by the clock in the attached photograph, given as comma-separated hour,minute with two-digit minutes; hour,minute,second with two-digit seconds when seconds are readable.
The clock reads 3,56
